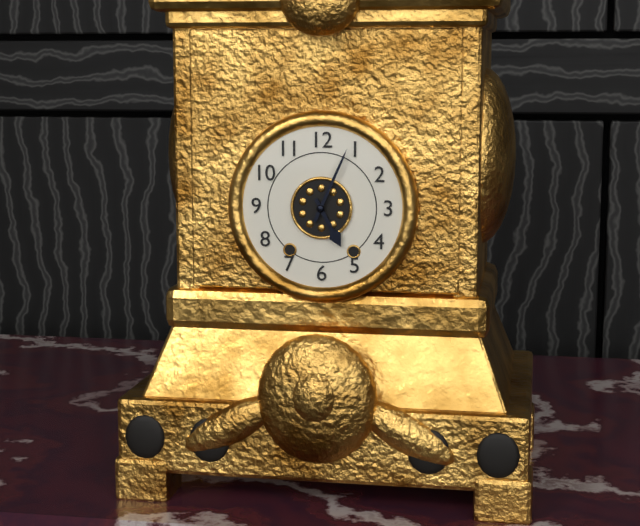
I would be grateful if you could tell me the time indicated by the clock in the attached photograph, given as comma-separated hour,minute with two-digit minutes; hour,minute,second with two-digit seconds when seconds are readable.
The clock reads 5,04
